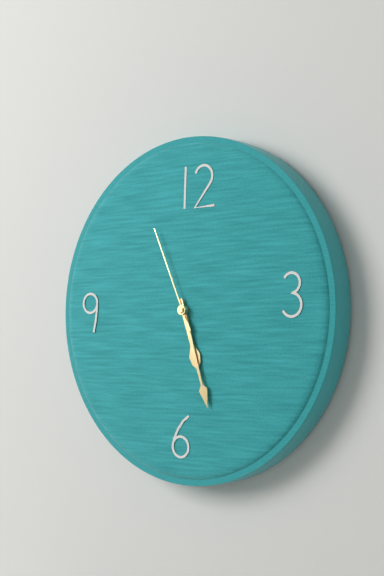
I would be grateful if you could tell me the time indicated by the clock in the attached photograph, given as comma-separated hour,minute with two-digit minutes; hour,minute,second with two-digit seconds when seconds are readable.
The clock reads 5,27,56
